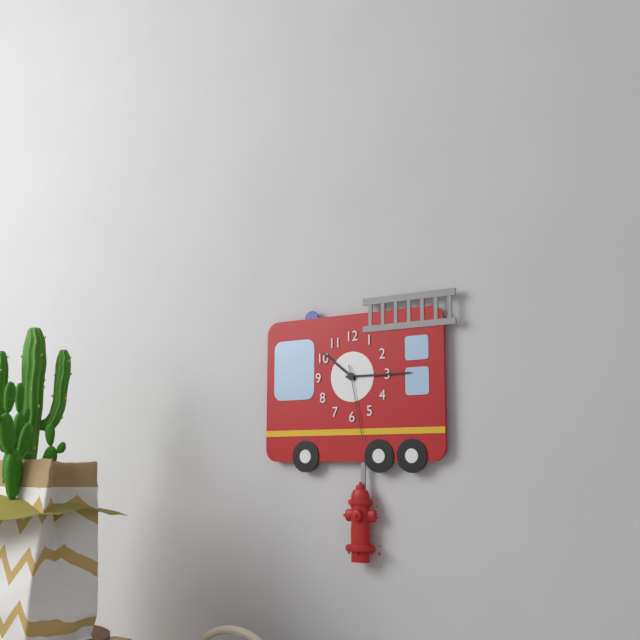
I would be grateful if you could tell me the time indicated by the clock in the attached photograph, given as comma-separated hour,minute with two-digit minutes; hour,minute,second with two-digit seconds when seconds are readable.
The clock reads 10,15,28
